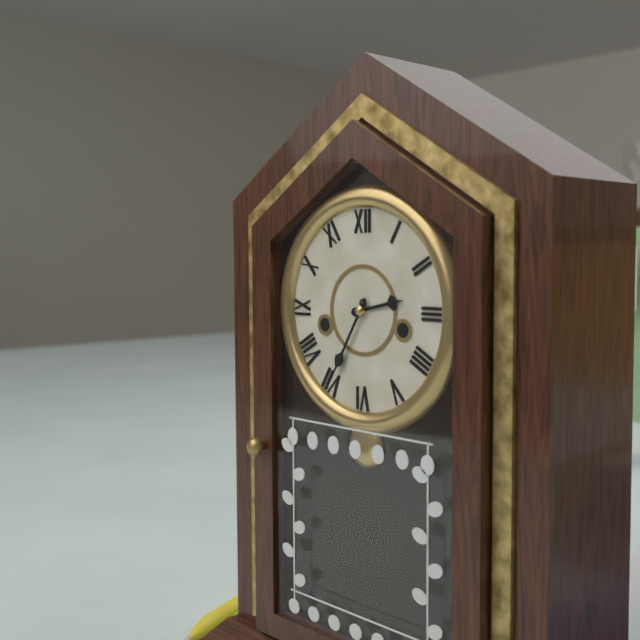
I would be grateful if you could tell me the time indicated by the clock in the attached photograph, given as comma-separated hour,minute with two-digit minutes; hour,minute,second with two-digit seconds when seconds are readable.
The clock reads 2,35
